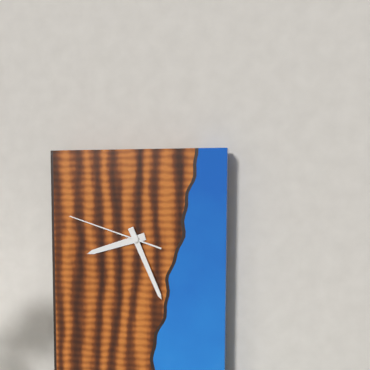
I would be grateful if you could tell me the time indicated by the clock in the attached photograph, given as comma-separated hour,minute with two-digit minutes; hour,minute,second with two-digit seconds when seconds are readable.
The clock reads 8,26,48
